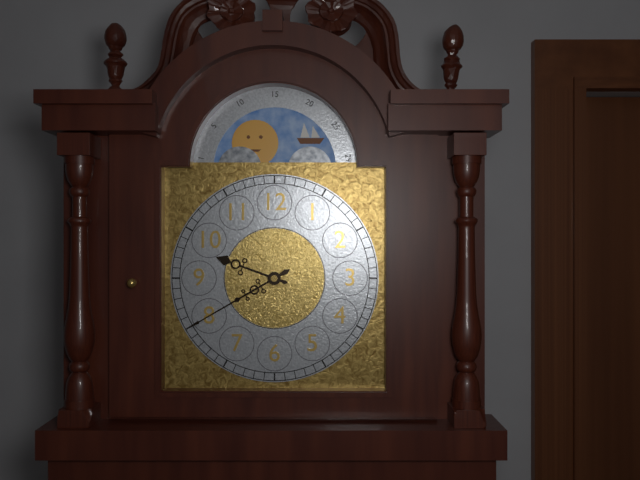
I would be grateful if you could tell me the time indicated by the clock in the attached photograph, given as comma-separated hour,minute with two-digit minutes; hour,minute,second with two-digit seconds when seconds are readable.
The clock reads 9,40
